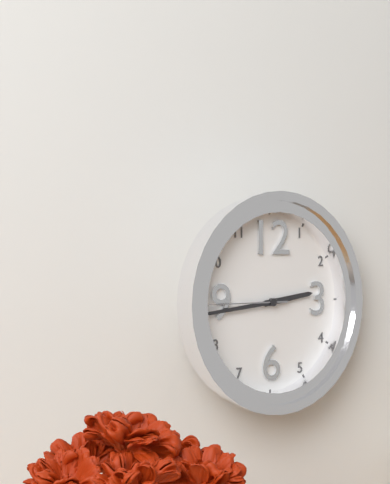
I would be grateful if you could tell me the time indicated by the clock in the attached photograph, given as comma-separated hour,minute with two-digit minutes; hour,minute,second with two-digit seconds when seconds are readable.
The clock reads 2,44,45
